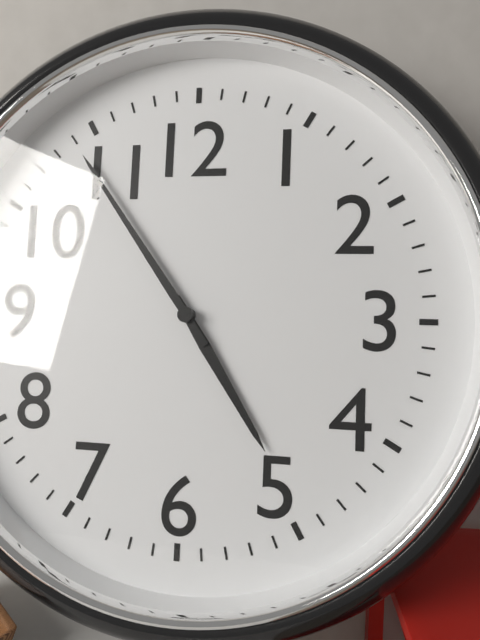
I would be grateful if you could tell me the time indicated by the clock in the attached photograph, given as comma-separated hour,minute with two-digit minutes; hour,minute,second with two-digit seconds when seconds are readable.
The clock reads 4,54
